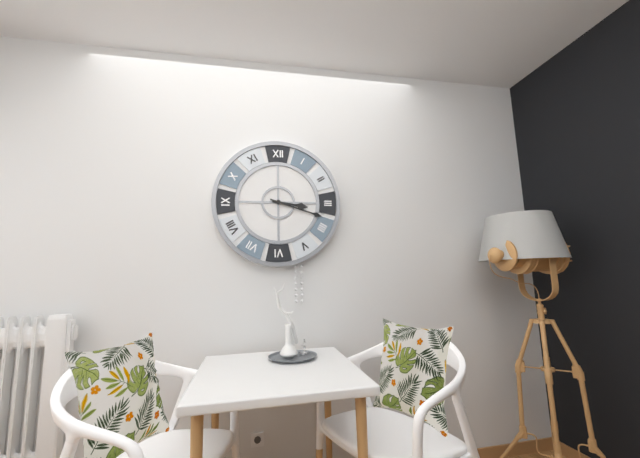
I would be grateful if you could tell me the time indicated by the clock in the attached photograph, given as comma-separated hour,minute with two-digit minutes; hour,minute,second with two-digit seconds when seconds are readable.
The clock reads 3,18
